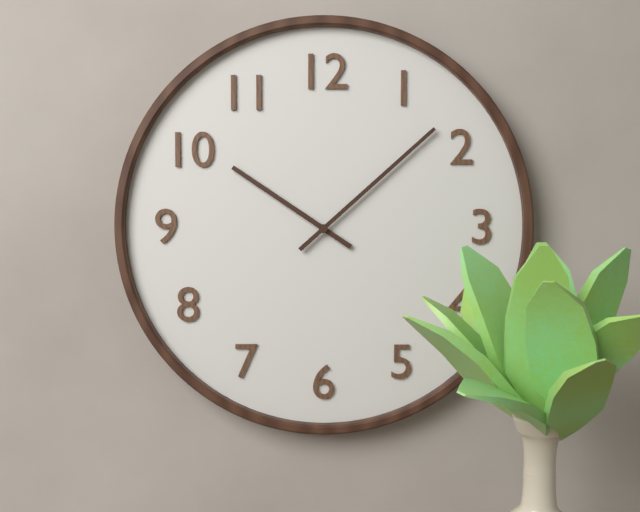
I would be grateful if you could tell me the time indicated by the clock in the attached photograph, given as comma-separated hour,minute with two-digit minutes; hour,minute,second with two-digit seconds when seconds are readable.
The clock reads 10,08
